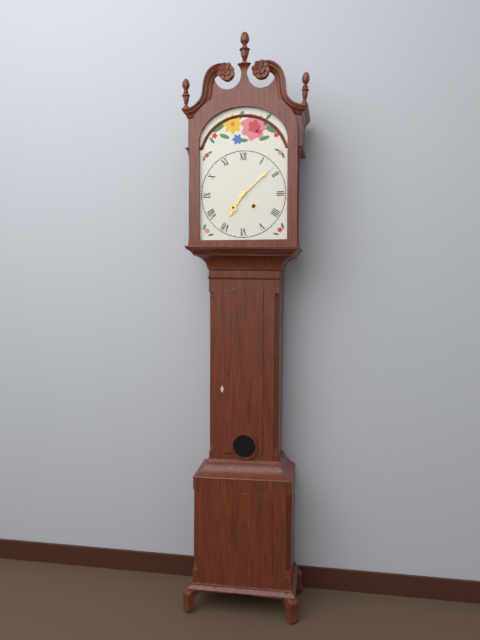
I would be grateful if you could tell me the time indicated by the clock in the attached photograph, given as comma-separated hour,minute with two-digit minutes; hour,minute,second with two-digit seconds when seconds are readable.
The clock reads 7,08
